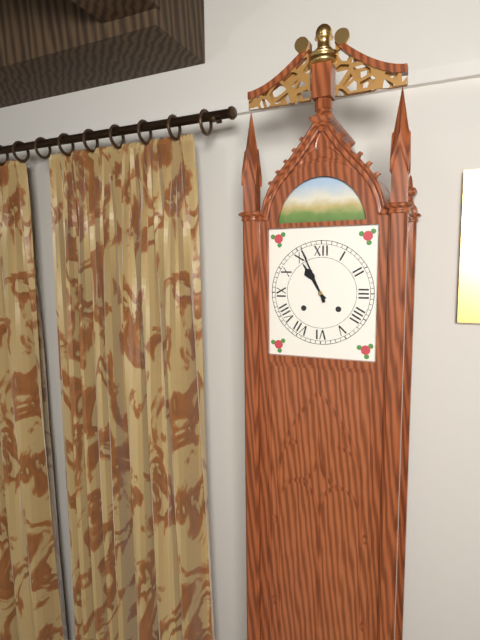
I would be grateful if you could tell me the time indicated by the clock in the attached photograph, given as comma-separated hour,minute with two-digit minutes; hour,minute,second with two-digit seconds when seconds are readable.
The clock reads 10,56
